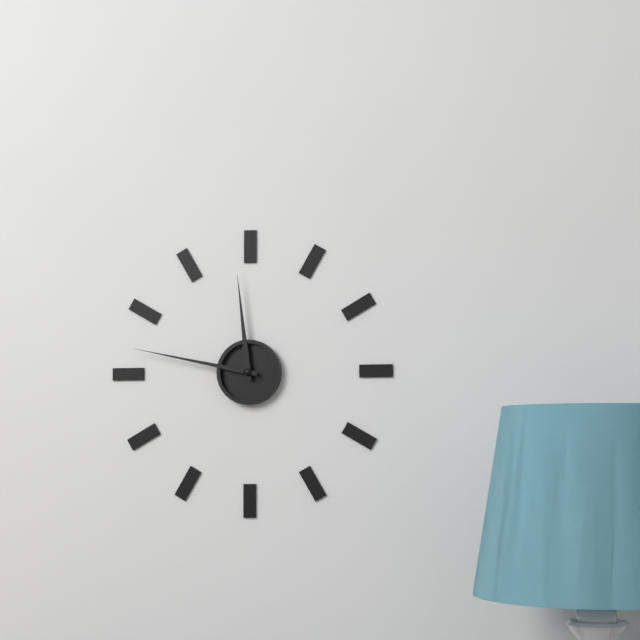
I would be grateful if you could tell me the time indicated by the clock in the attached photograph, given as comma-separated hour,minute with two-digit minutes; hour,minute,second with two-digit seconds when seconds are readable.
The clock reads 11,47
